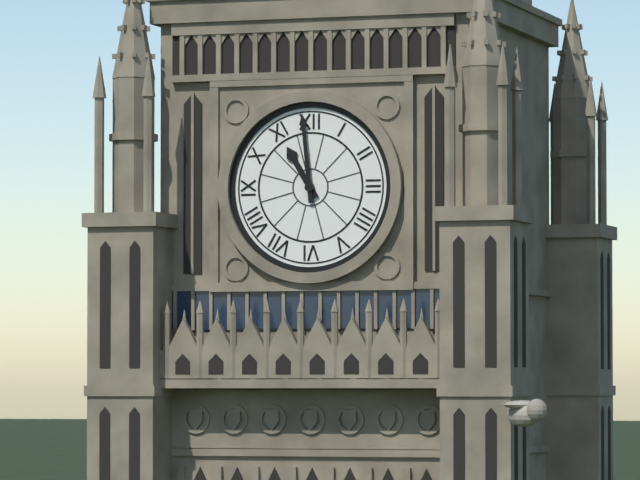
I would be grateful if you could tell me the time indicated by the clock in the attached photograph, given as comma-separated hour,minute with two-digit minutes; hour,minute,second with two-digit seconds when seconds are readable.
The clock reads 10,59
